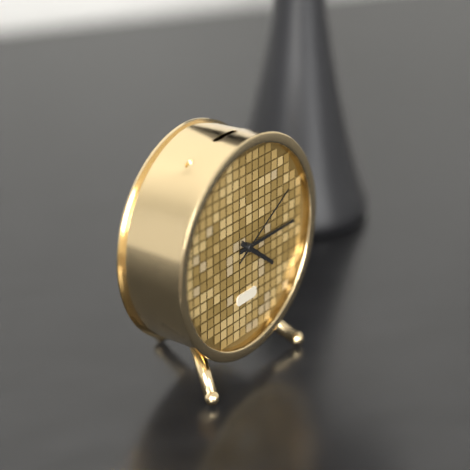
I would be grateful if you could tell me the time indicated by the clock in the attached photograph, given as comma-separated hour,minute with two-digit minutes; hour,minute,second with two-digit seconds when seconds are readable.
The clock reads 4,15,10
